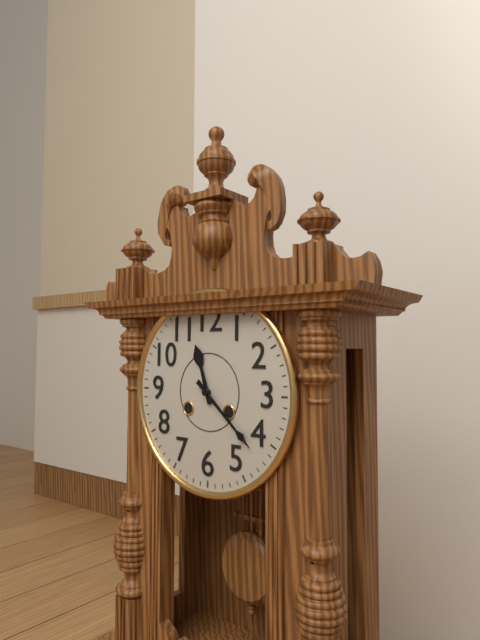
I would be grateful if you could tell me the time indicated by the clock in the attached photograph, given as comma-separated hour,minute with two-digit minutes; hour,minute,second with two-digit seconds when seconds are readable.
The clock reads 11,22
